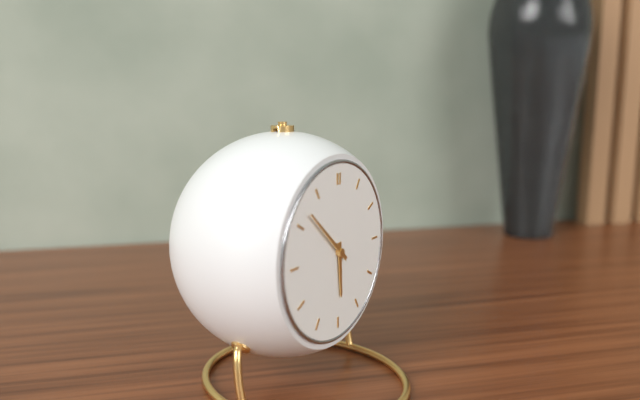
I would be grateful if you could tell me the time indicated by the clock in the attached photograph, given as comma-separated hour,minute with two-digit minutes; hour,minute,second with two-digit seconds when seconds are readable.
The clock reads 5,52
